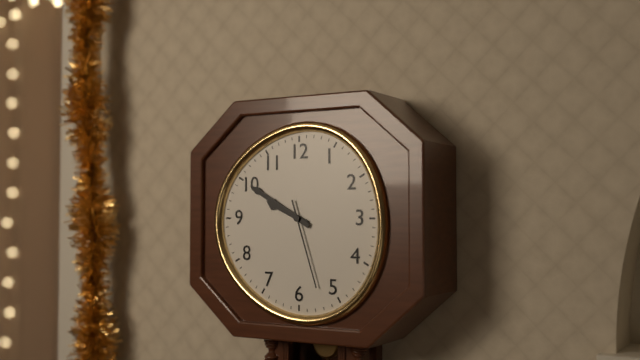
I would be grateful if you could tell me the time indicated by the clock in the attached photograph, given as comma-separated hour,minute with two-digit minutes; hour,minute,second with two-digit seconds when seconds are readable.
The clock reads 9,50,27
